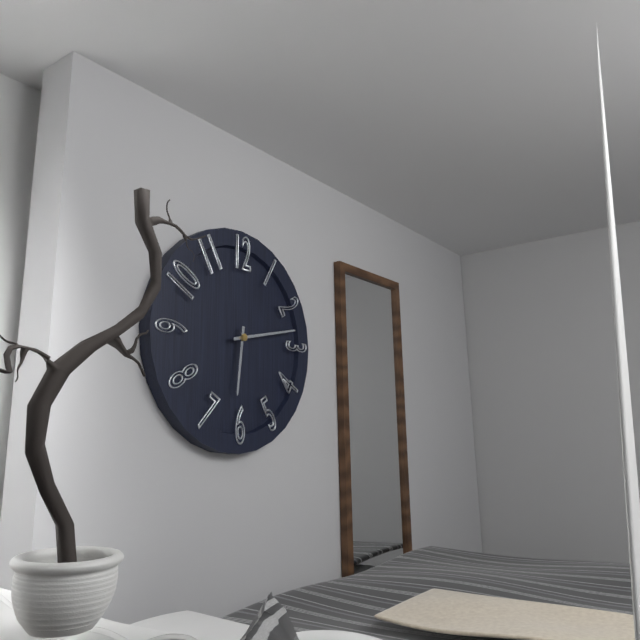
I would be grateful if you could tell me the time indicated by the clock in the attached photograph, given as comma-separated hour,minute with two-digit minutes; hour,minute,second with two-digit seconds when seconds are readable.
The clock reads 6,13
